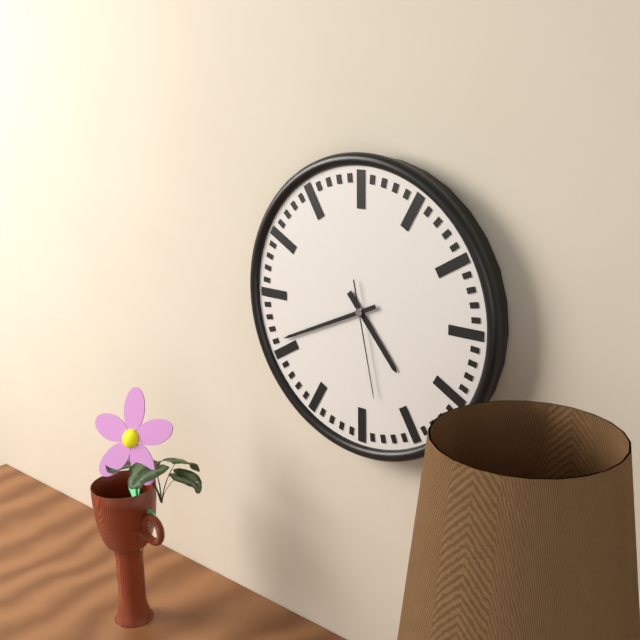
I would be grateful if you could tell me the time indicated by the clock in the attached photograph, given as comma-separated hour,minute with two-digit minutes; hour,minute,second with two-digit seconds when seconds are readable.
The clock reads 4,41,28
